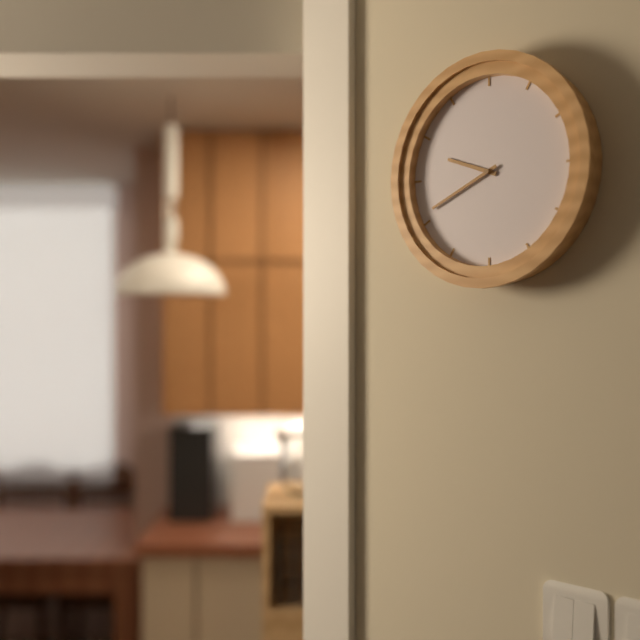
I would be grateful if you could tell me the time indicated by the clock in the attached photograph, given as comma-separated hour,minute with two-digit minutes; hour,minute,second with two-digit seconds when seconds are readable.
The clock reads 9,41
